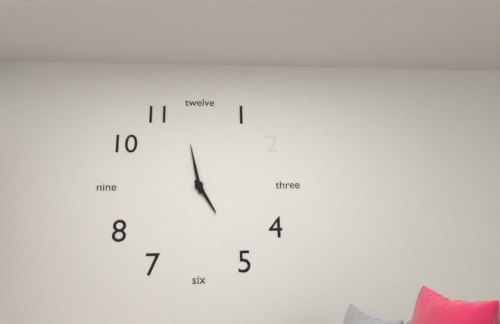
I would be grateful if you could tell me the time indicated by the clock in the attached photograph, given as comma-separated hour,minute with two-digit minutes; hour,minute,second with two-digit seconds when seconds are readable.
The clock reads 4,58
